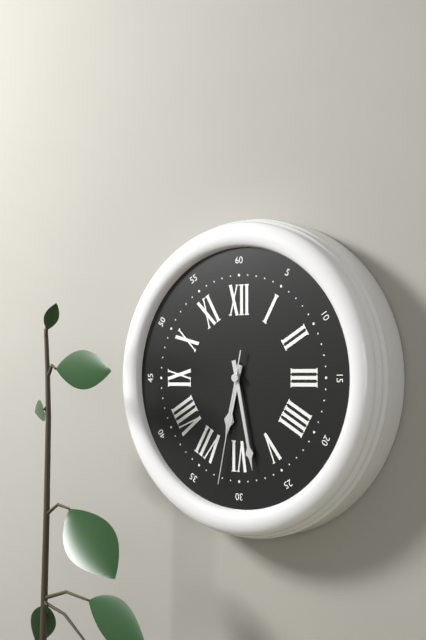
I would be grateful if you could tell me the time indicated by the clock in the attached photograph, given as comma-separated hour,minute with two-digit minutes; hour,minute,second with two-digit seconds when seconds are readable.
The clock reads 6,28,32
